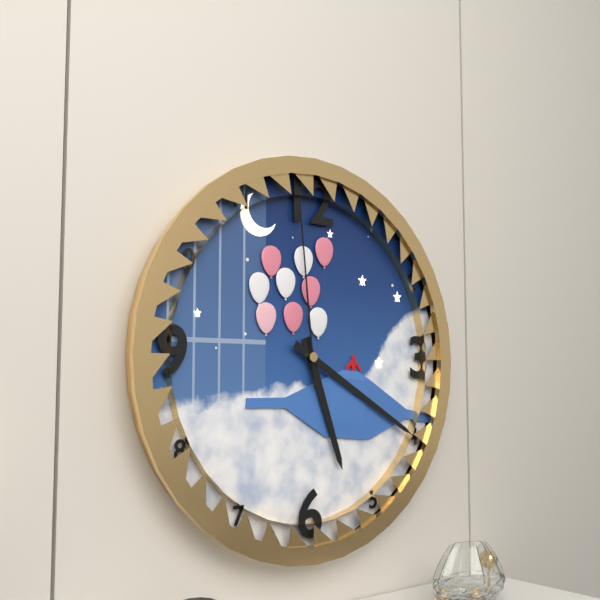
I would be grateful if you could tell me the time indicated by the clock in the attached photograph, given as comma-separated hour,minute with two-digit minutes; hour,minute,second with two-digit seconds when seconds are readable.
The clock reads 5,20,59
